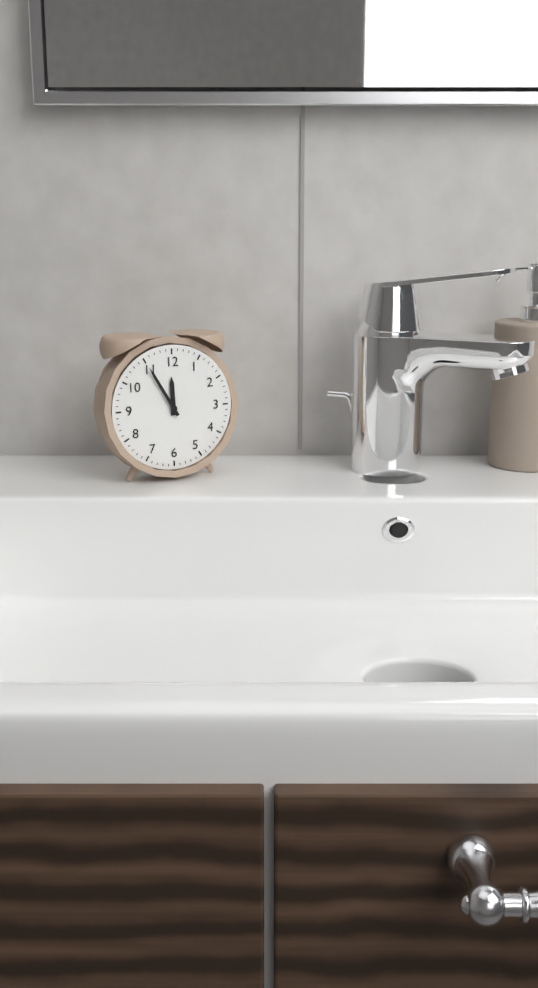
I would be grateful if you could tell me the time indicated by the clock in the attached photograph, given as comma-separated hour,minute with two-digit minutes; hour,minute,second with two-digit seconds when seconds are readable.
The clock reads 11,55
